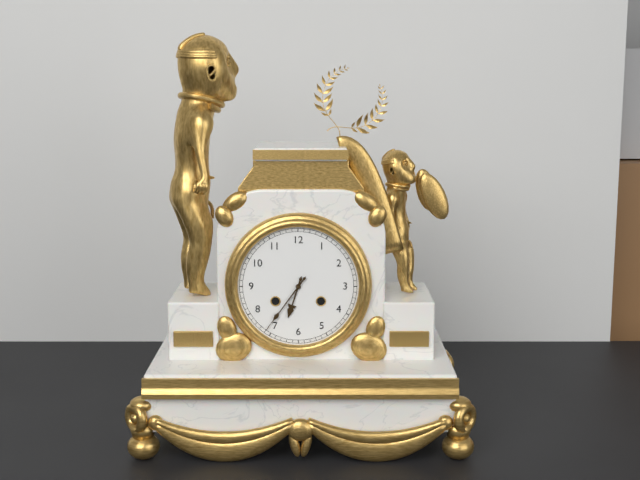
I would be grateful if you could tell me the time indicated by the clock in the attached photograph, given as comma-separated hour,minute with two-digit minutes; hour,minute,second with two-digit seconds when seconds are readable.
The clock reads 6,36
